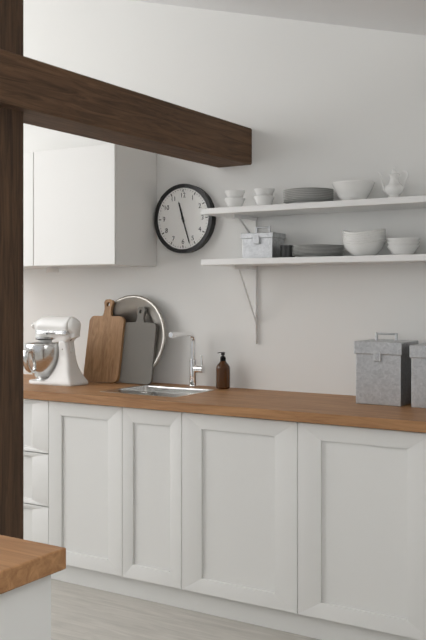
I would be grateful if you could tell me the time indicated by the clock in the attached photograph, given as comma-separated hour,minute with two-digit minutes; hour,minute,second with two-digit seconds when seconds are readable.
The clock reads 11,27
